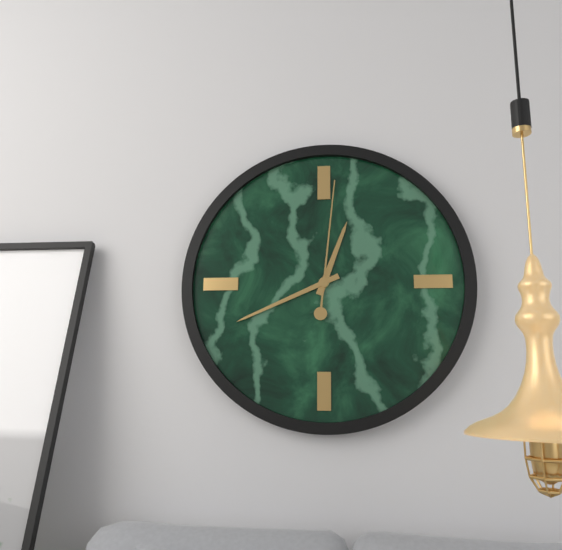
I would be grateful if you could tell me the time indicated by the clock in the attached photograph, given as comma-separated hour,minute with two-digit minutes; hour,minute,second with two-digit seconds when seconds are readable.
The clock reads 12,41,01
